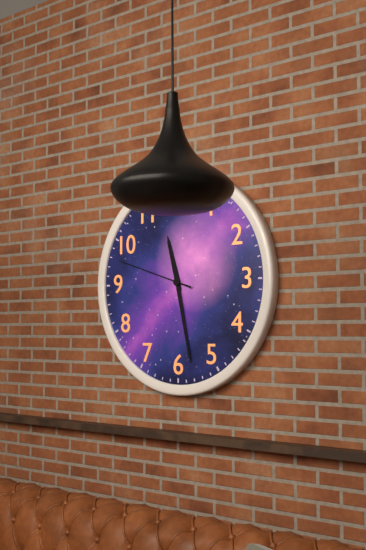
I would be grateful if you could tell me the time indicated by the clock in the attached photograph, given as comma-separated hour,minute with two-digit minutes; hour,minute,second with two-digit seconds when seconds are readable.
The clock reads 11,28,48
